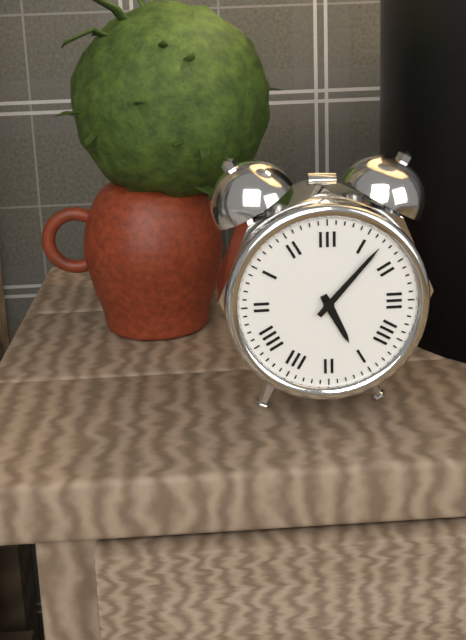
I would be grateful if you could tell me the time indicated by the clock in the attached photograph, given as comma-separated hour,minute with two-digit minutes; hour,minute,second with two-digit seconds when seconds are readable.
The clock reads 5,07
